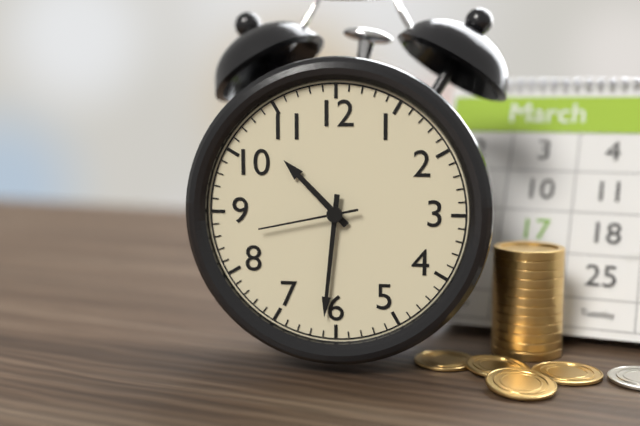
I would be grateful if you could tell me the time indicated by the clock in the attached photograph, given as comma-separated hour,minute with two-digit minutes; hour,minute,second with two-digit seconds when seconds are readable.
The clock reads 10,31,43
